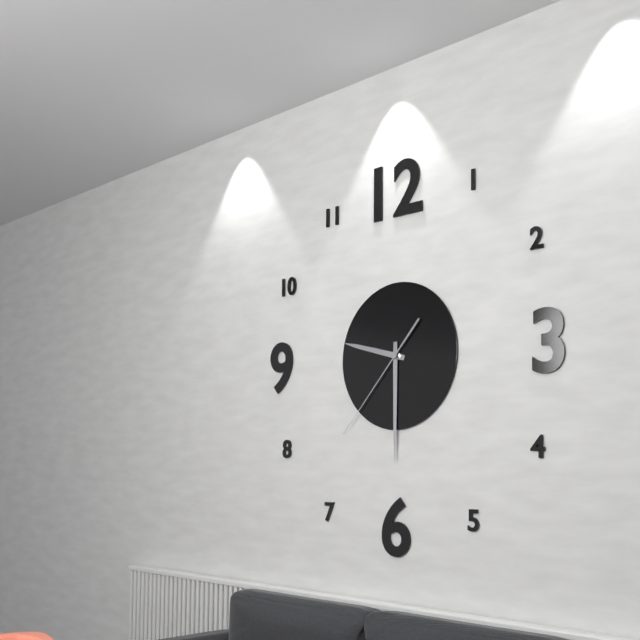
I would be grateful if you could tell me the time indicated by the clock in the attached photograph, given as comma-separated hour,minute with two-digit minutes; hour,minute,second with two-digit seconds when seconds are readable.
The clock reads 9,30,37
